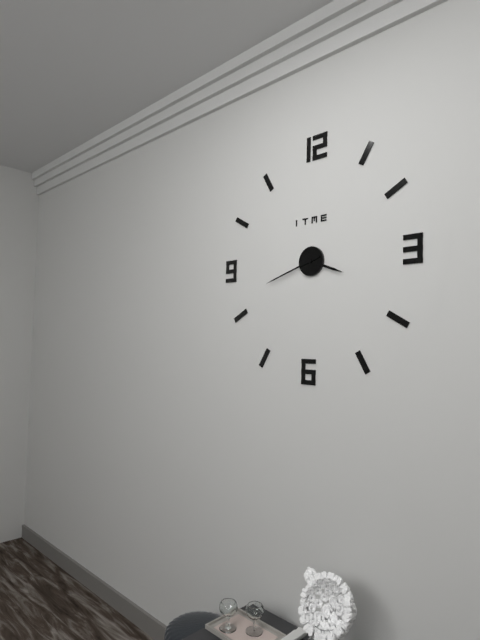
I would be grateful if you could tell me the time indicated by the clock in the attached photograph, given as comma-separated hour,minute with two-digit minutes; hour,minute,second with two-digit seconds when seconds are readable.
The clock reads 3,42
